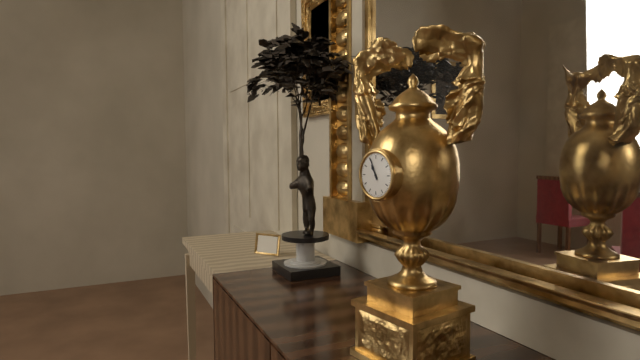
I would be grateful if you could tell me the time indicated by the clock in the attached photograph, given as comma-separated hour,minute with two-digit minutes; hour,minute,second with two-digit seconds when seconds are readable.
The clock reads 10,56
